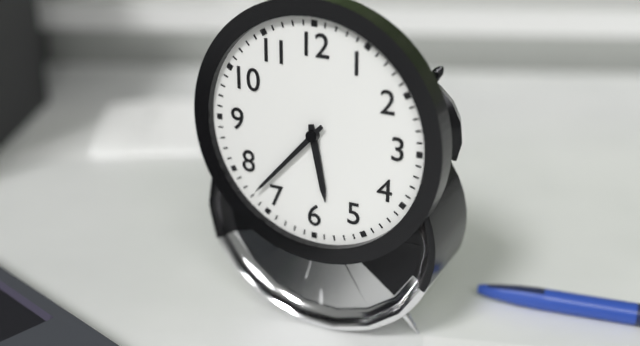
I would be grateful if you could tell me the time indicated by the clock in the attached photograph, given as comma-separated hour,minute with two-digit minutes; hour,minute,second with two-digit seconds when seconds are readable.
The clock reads 5,37
